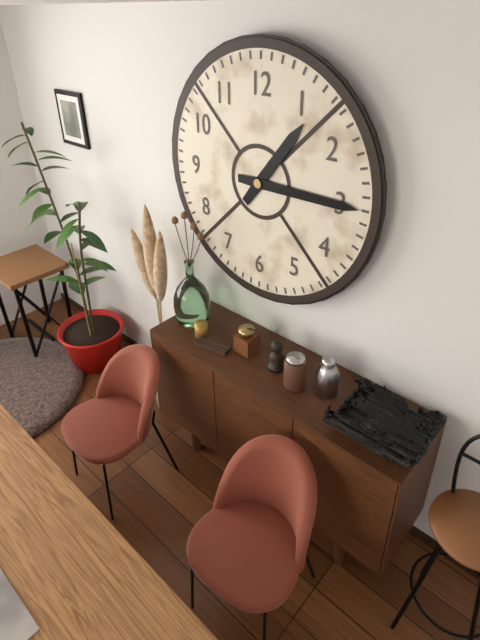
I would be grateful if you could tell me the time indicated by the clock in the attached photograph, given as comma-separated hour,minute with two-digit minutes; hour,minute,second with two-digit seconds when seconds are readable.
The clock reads 1,15
